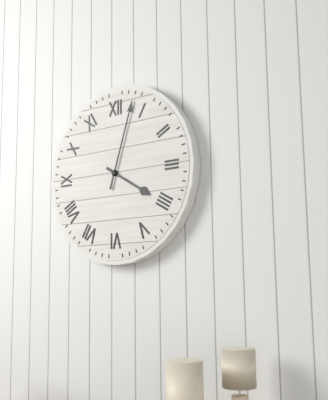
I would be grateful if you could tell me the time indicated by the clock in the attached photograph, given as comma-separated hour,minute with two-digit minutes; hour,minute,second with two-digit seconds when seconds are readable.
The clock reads 4,03
